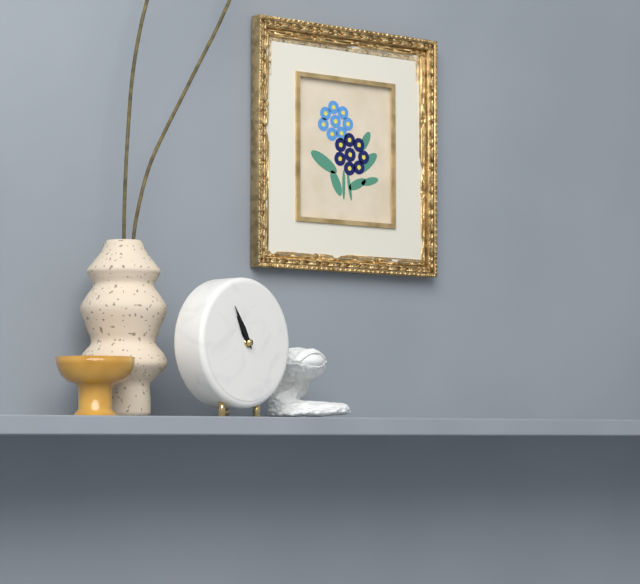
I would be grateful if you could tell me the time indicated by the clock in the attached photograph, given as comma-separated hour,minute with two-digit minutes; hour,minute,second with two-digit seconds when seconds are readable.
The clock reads 10,55
